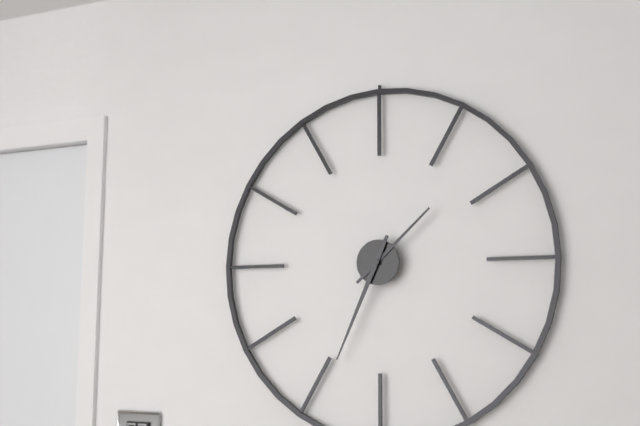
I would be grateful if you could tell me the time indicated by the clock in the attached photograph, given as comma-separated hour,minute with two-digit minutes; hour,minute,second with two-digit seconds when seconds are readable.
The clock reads 1,34
